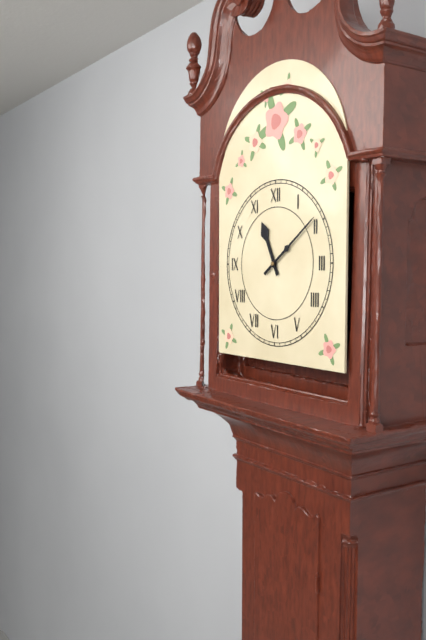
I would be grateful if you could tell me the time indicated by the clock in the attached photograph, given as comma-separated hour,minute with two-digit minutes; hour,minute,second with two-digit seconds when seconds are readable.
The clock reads 11,09
